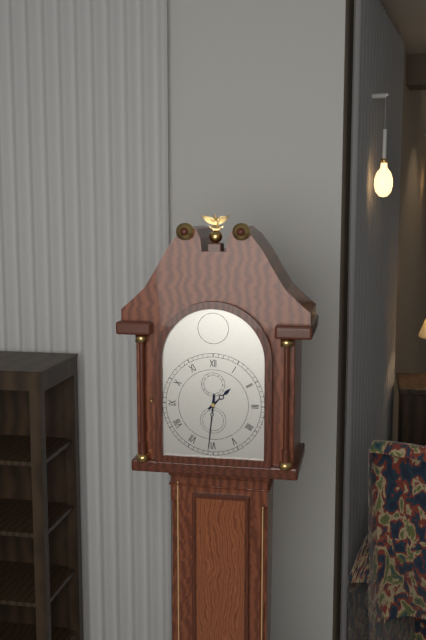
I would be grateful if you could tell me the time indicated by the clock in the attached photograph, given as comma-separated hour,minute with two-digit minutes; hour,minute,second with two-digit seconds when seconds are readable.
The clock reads 1,31
